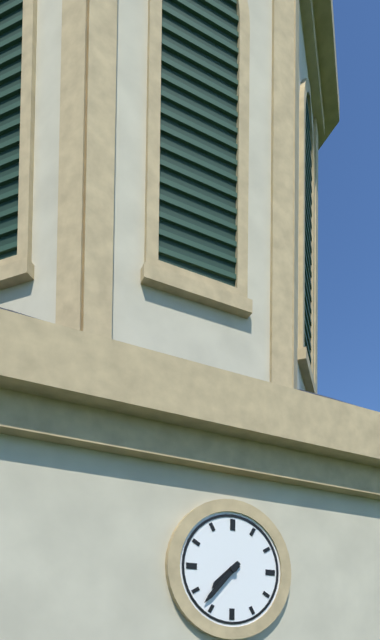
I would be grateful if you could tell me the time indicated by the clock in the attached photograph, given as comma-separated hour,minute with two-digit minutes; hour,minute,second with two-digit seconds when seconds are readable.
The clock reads 7,37
